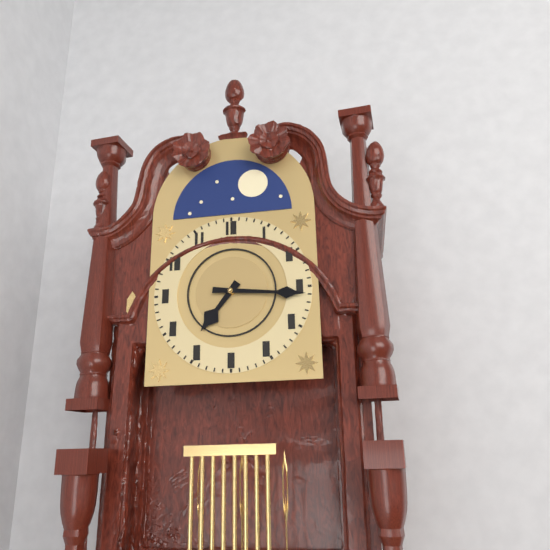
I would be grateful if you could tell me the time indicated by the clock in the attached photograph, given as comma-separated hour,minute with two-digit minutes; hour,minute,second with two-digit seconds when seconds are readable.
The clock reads 7,16
